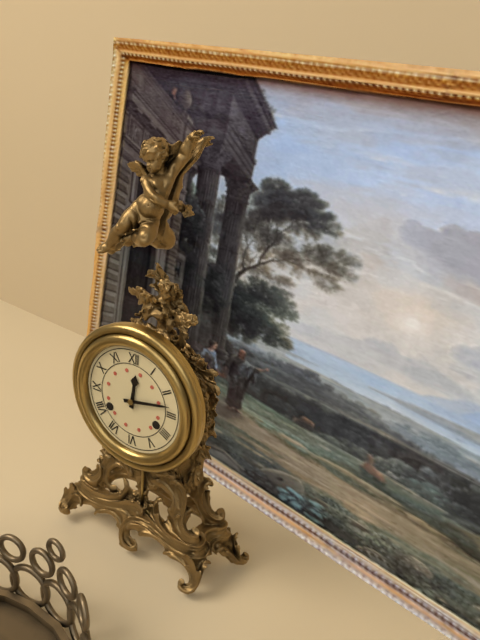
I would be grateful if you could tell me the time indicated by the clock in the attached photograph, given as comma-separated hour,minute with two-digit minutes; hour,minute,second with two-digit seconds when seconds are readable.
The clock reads 12,13
